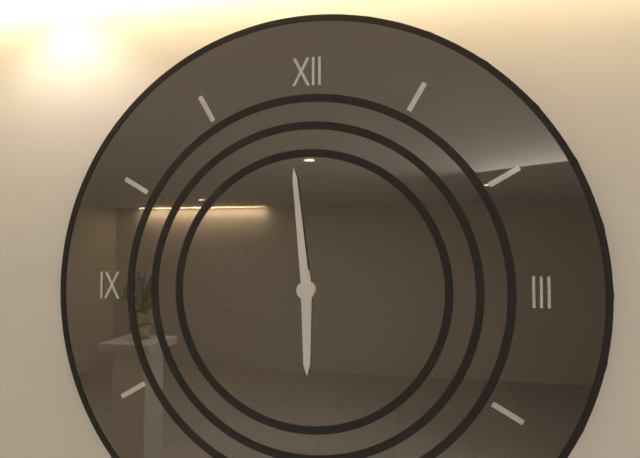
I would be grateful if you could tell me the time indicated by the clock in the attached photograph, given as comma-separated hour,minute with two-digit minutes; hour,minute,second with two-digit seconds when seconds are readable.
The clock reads 5,59
